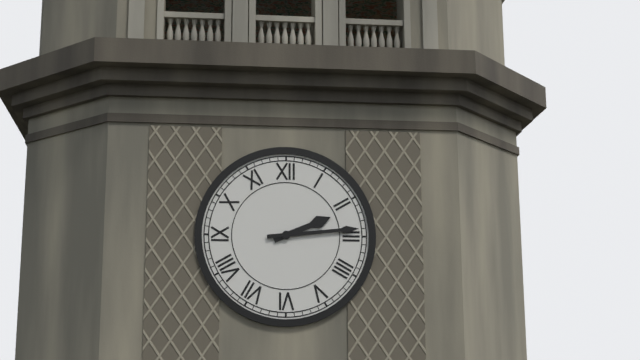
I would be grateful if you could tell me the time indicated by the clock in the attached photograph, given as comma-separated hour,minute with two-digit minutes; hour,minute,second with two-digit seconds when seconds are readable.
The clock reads 2,14
